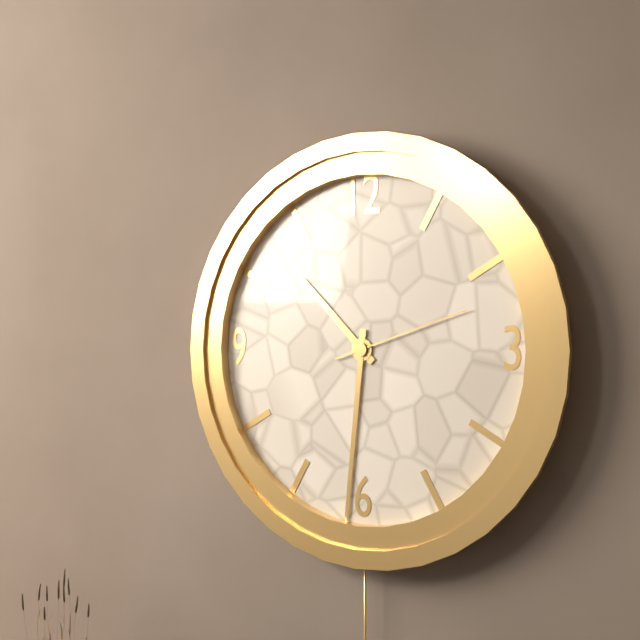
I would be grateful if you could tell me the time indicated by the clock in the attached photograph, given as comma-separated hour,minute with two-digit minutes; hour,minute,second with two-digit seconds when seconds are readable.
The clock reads 10,31,12
